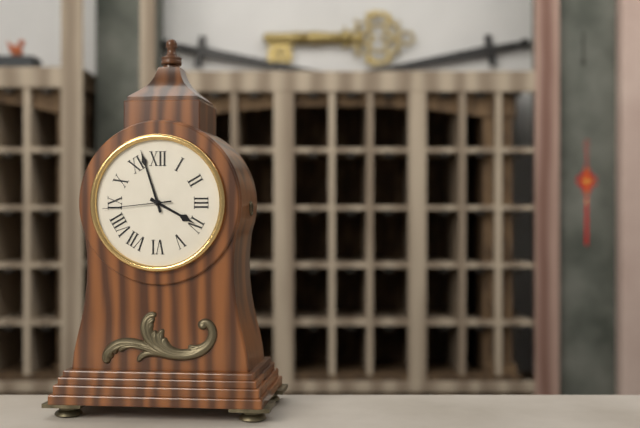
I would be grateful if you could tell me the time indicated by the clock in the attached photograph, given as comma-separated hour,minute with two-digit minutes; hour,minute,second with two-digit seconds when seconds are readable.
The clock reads 3,57,44
